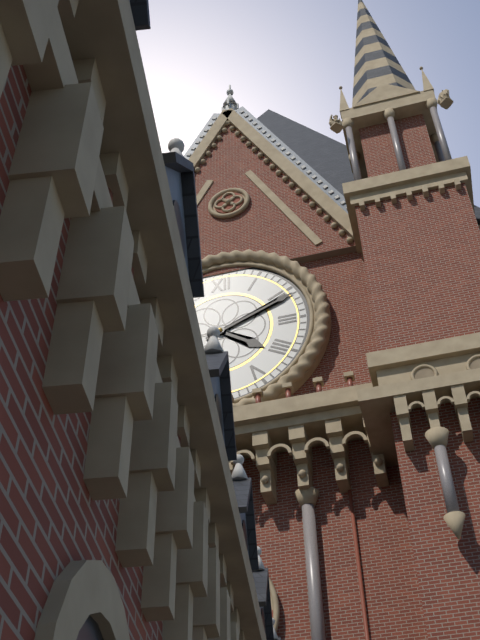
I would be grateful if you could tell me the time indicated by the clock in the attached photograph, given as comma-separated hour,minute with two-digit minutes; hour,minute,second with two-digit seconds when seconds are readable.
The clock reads 4,11
